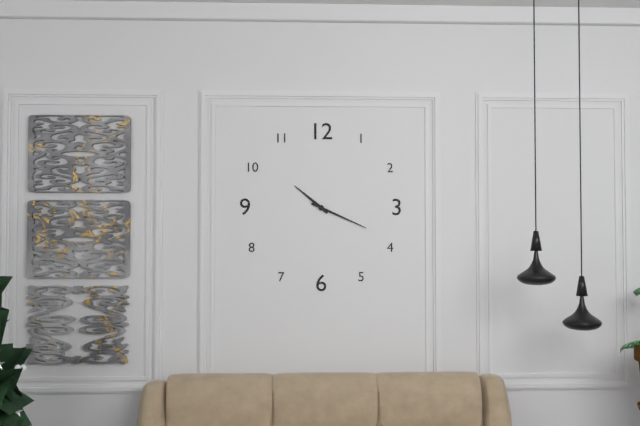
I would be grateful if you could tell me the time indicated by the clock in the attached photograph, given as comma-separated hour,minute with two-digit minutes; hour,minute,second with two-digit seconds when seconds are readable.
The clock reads 10,19
